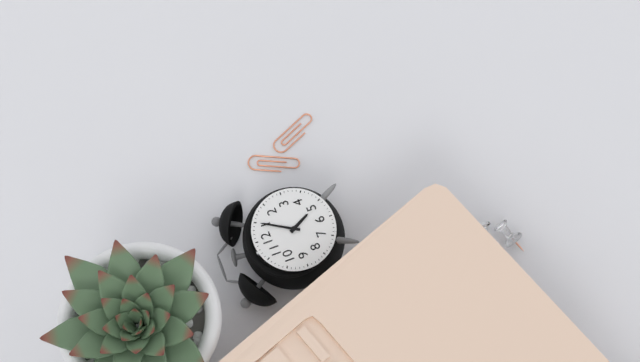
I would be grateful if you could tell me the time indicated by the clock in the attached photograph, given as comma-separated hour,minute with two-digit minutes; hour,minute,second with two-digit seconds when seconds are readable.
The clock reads 5,05
